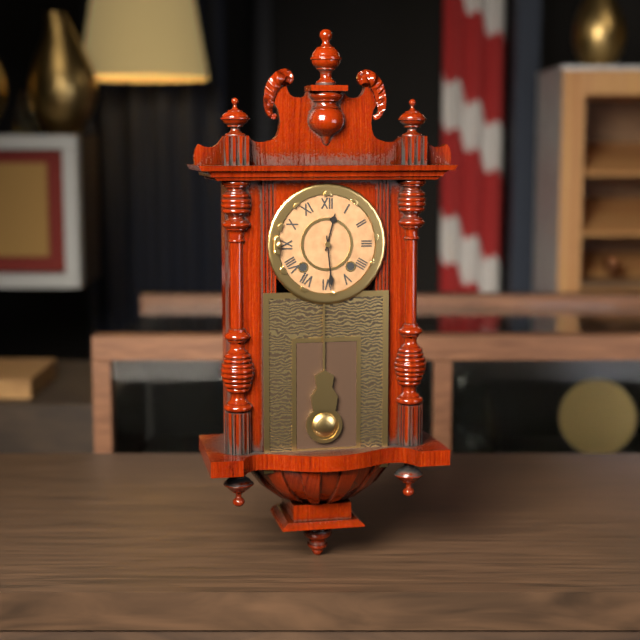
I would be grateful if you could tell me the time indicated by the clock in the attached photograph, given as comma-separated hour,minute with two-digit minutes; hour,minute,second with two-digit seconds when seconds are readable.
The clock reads 12,29
